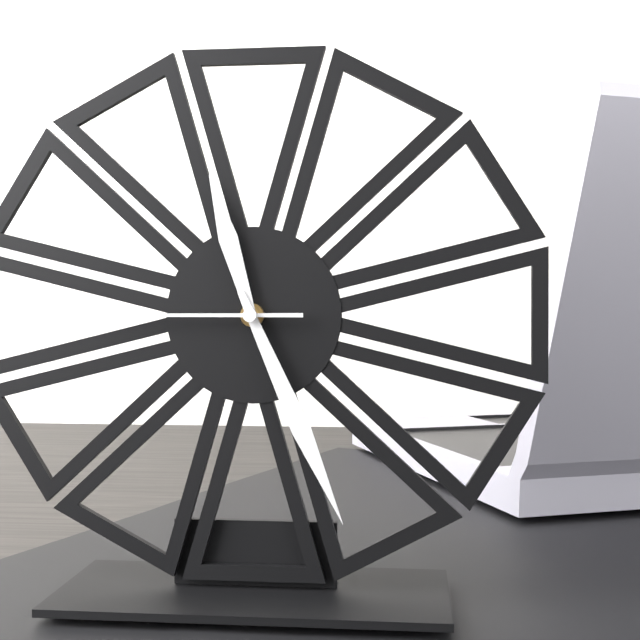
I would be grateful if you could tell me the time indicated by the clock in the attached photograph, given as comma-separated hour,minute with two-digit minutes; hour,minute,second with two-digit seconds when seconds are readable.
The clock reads 11,26,45
